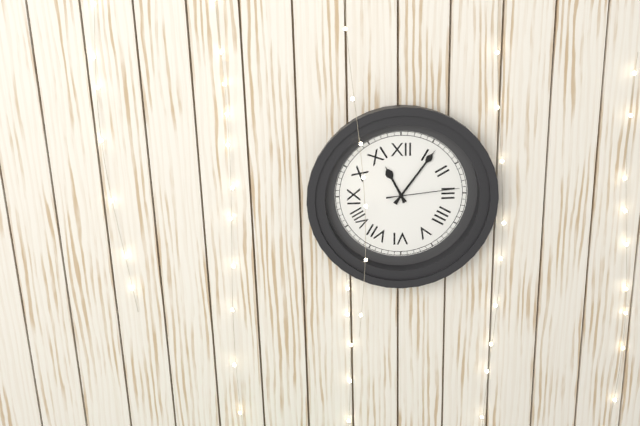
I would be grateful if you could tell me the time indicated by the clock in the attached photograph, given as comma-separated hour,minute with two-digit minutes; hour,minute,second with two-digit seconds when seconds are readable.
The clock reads 11,06,14
